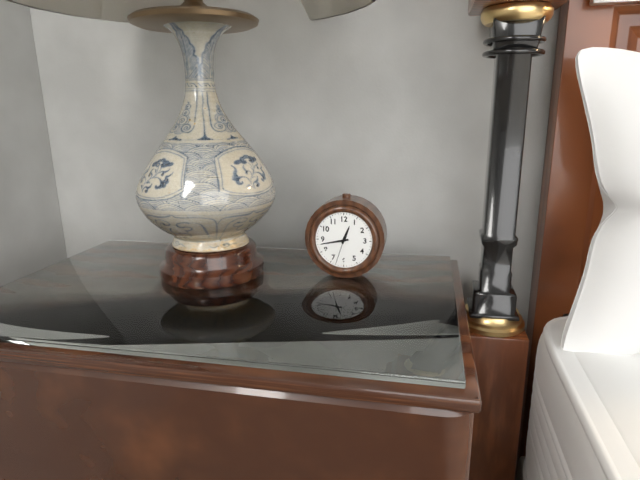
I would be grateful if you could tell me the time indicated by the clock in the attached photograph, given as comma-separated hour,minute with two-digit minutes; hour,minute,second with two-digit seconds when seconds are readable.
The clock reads 12,43
